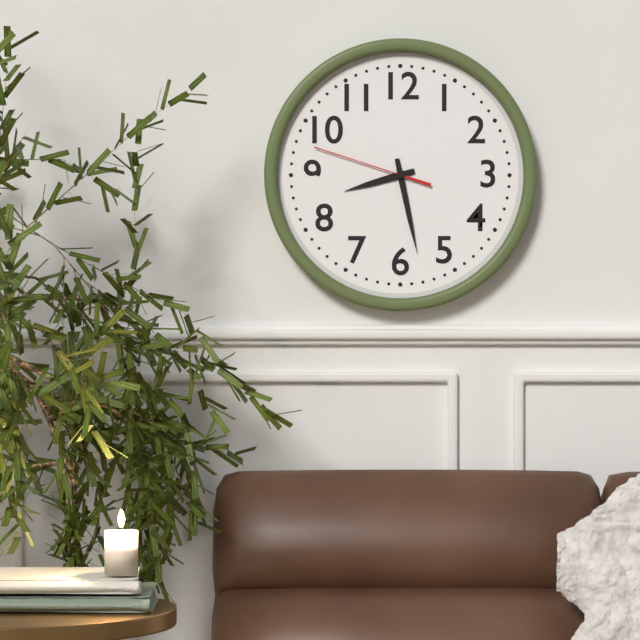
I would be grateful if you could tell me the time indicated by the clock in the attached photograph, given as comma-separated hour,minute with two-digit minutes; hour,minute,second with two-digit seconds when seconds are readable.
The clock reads 8,28,48
